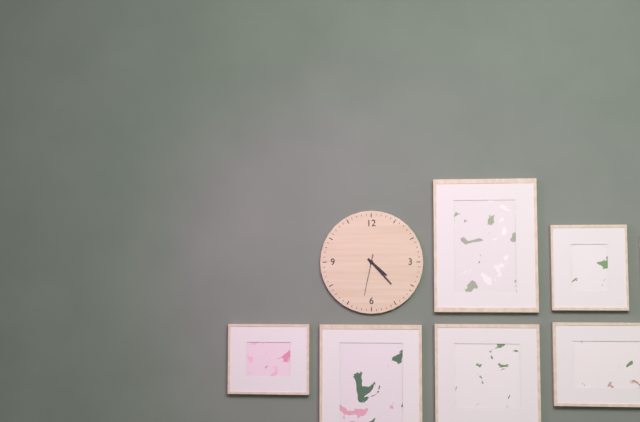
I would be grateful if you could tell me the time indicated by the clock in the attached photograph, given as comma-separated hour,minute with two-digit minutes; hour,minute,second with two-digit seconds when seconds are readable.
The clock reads 4,23
